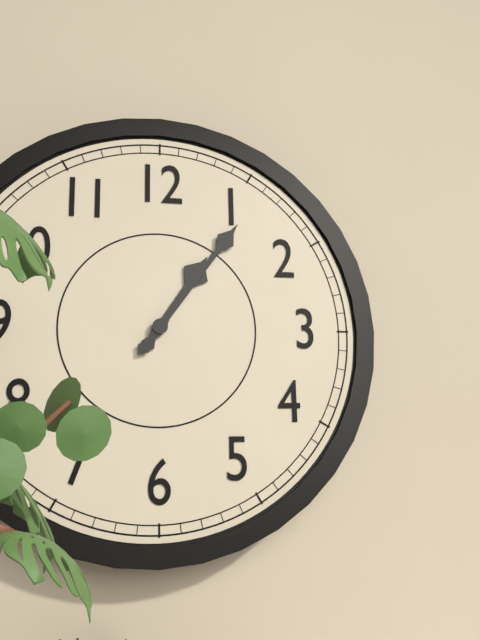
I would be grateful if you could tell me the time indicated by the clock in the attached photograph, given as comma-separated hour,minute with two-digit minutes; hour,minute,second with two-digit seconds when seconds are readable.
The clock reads 1,06
